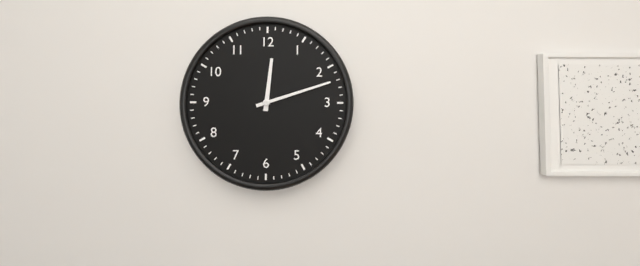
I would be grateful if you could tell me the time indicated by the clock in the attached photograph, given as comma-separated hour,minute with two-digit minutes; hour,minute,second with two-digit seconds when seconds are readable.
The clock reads 12,12
